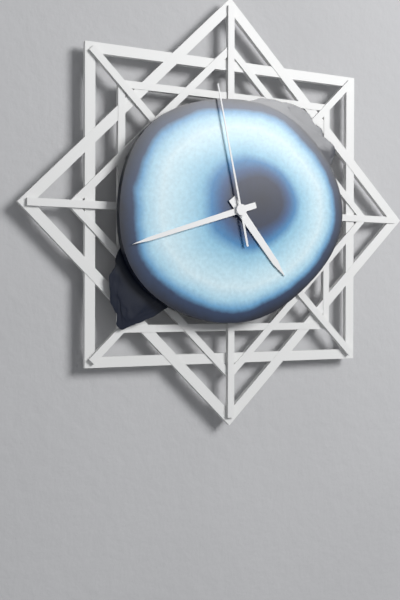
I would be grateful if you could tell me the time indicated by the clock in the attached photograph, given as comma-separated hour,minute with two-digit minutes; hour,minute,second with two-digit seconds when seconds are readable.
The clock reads 4,42,58
